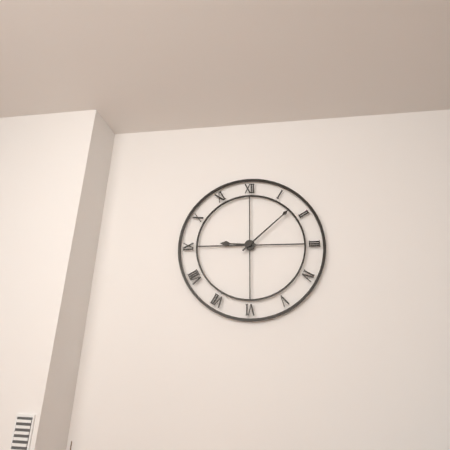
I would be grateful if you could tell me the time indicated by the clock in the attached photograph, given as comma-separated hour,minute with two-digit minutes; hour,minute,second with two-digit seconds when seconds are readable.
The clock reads 9,08
